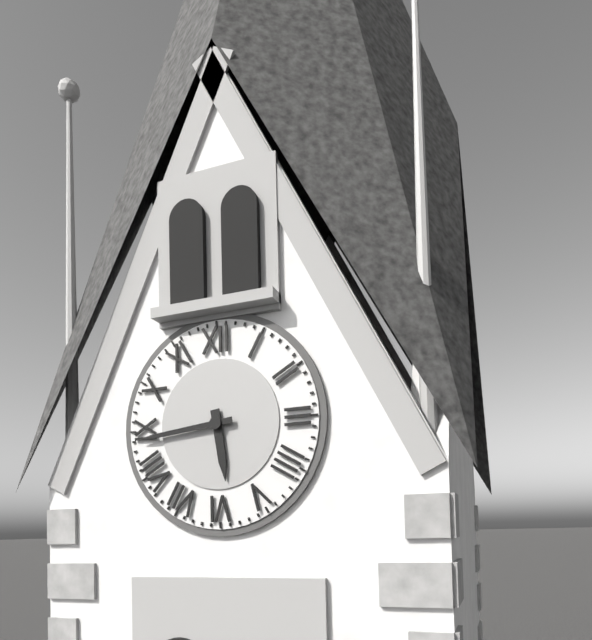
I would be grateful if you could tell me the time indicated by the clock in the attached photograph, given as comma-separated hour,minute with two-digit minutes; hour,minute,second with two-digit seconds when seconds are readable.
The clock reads 5,44
